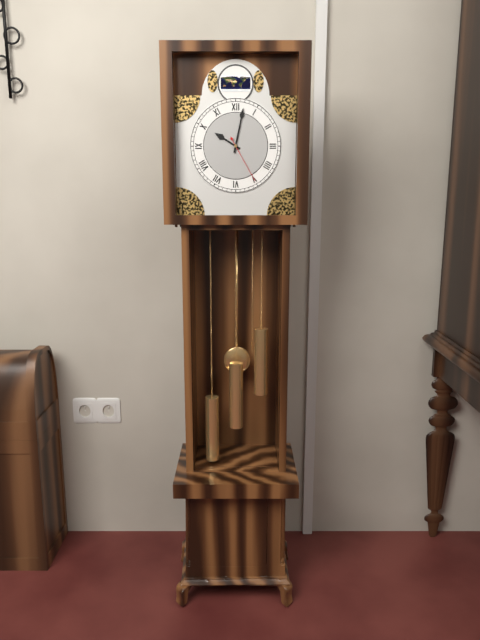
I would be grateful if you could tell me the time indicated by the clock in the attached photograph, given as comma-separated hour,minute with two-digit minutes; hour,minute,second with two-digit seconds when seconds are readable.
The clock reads 10,02,25
